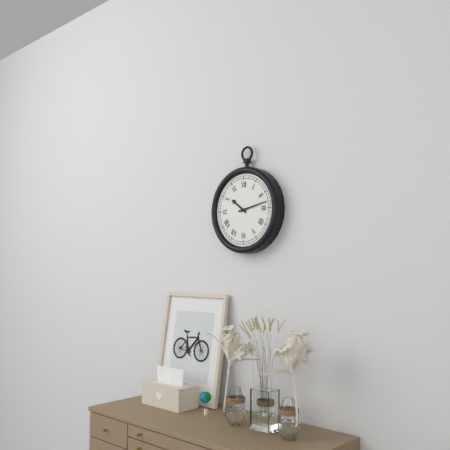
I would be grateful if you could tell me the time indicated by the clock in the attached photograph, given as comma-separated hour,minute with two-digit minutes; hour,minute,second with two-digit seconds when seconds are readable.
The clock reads 10,13
